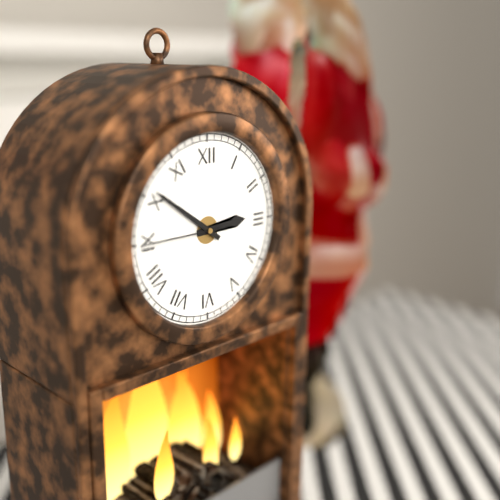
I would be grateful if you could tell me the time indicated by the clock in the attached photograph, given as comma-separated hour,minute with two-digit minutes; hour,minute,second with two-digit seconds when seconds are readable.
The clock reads 2,51,45
